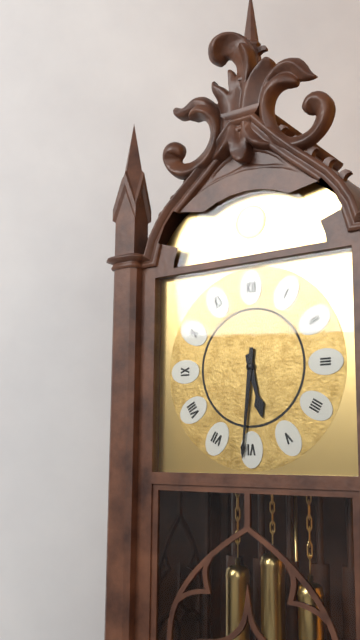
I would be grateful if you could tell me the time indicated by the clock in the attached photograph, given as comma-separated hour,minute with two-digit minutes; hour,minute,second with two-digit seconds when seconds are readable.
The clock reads 5,31
